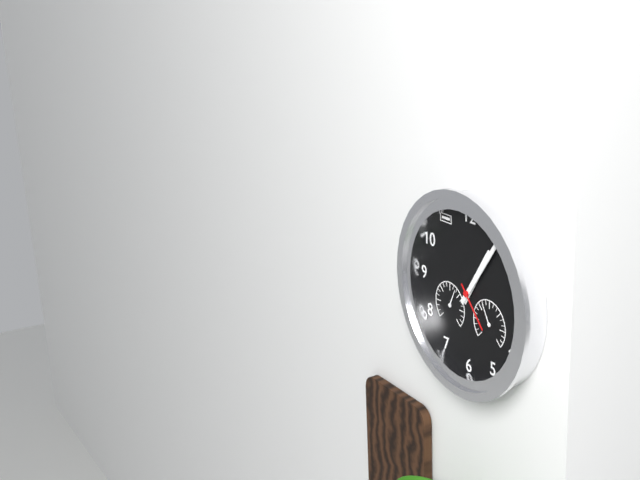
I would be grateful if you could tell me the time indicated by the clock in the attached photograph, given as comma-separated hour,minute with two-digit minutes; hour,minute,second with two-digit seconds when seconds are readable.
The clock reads 1,06
